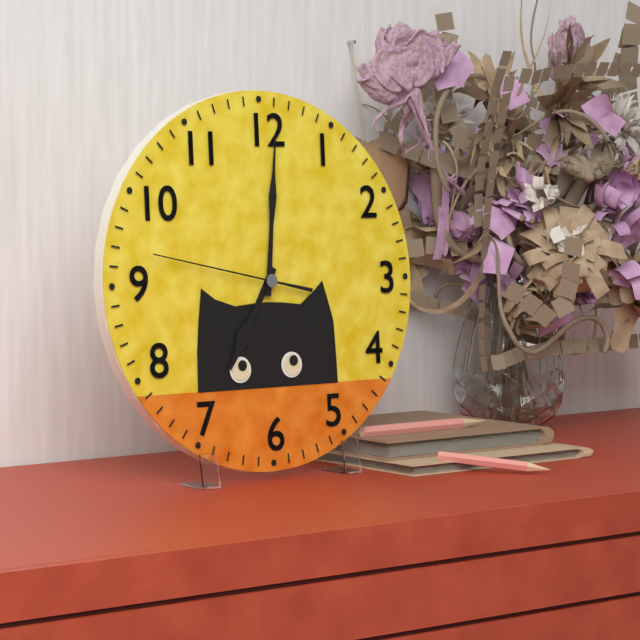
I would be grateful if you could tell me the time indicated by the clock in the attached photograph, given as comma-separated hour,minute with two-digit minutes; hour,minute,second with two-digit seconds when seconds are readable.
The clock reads 7,01,47
